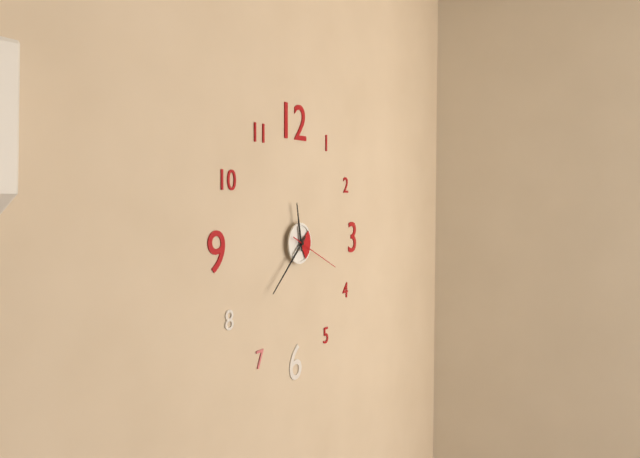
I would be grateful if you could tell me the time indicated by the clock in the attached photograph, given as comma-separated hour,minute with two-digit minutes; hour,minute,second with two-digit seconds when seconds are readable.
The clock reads 11,38,19
